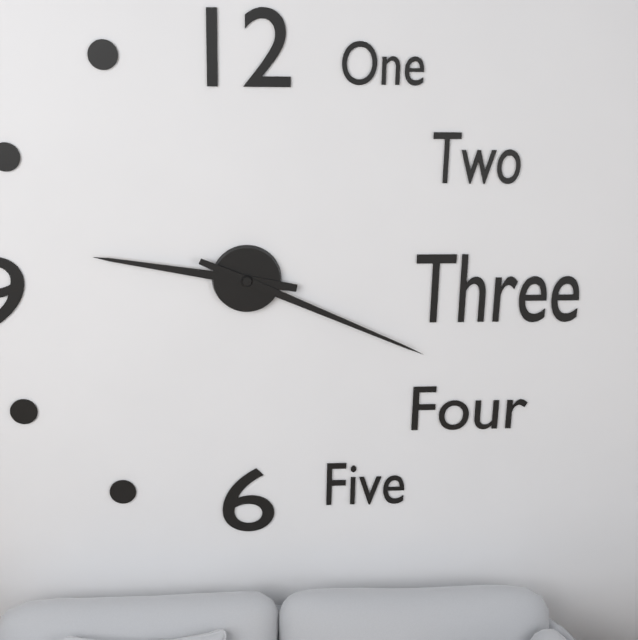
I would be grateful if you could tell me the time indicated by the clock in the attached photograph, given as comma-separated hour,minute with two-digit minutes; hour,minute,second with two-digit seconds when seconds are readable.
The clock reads 9,19
